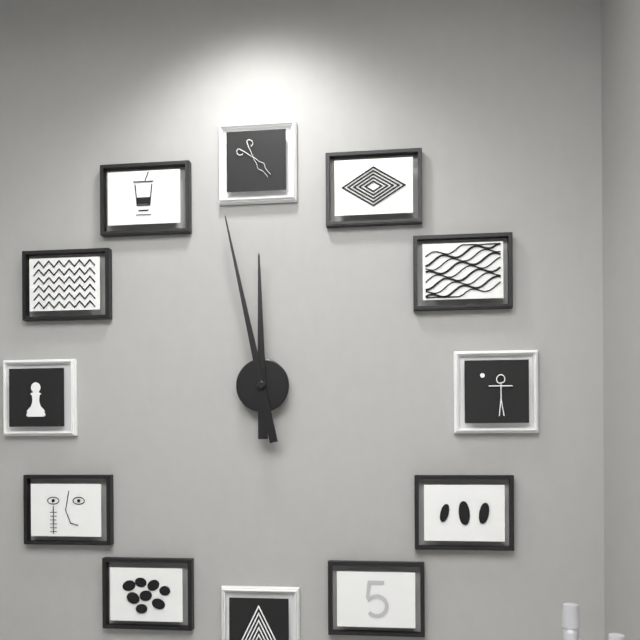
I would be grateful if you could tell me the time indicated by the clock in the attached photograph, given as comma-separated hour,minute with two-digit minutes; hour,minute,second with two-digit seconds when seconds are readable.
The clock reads 11,58
